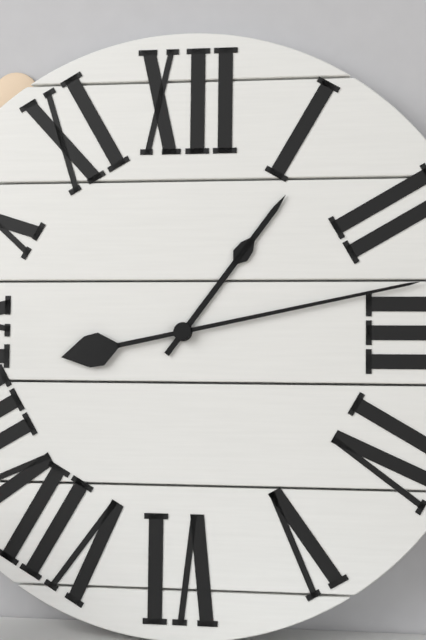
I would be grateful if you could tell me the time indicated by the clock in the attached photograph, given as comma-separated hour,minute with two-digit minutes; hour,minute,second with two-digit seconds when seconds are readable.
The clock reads 1,13
